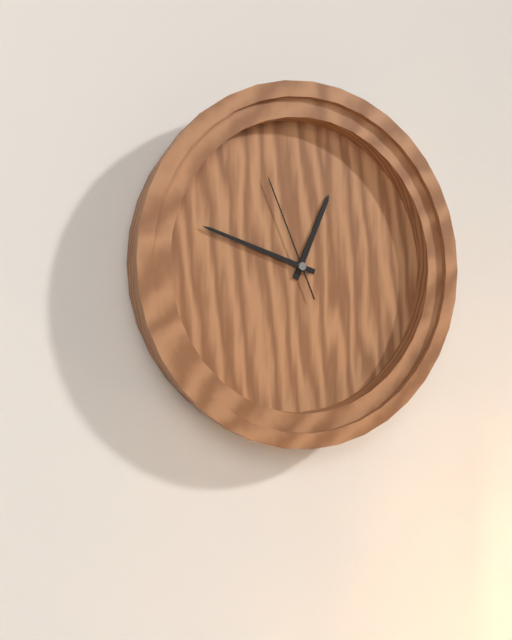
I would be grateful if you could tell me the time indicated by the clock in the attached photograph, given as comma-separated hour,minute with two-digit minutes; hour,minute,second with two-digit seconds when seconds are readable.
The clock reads 12,48,56
